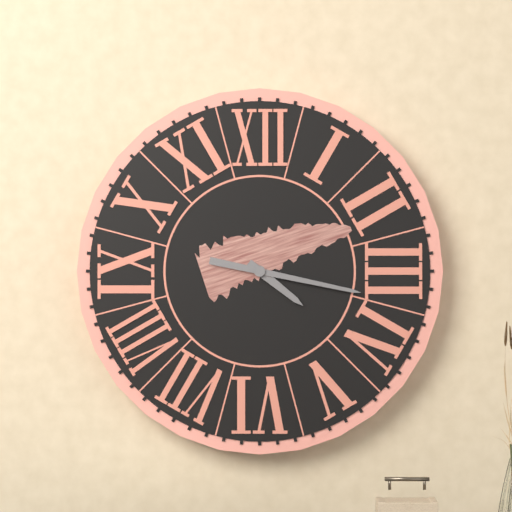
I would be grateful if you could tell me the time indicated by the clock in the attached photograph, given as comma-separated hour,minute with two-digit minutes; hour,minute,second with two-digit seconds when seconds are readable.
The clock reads 4,17
